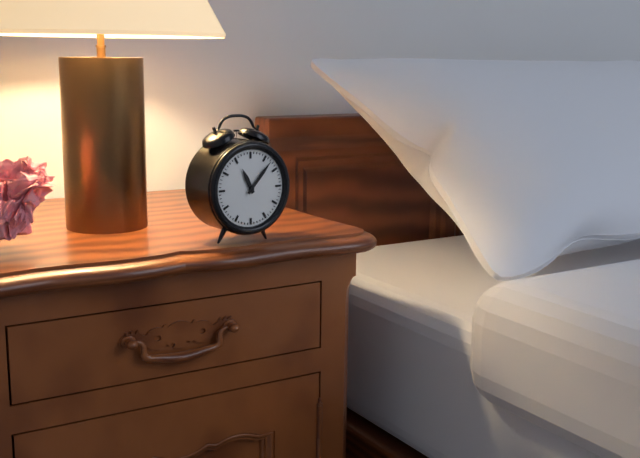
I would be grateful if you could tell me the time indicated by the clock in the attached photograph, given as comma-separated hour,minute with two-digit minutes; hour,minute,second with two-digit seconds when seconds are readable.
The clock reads 11,07
